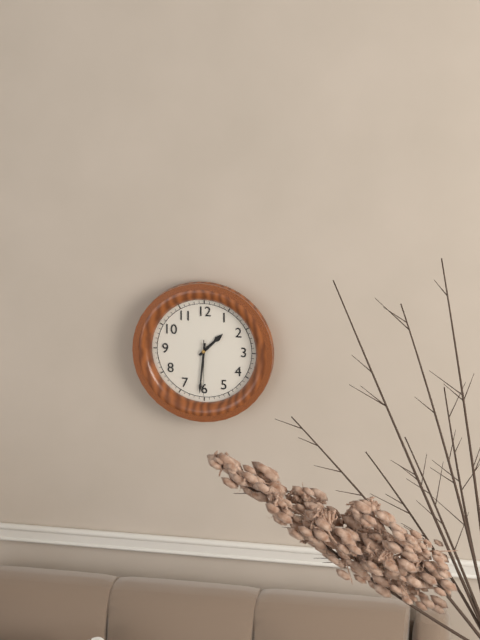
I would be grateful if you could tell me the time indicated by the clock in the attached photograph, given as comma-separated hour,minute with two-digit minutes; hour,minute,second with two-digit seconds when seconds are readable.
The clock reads 1,31,30
